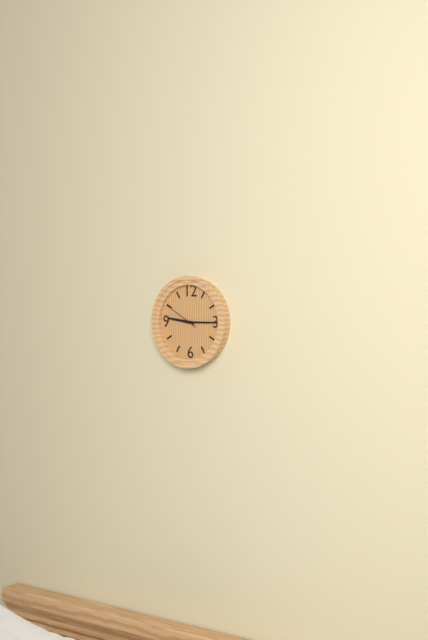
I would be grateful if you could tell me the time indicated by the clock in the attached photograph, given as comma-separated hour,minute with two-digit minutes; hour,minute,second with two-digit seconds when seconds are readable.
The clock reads 9,15
